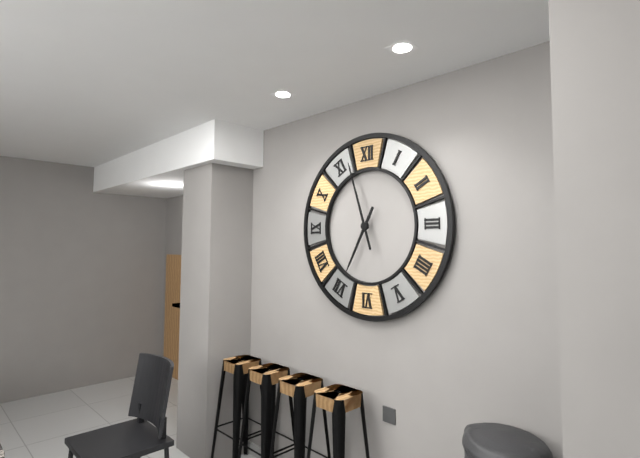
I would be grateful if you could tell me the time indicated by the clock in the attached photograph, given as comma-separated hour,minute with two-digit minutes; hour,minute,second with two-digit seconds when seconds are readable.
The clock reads 6,57
